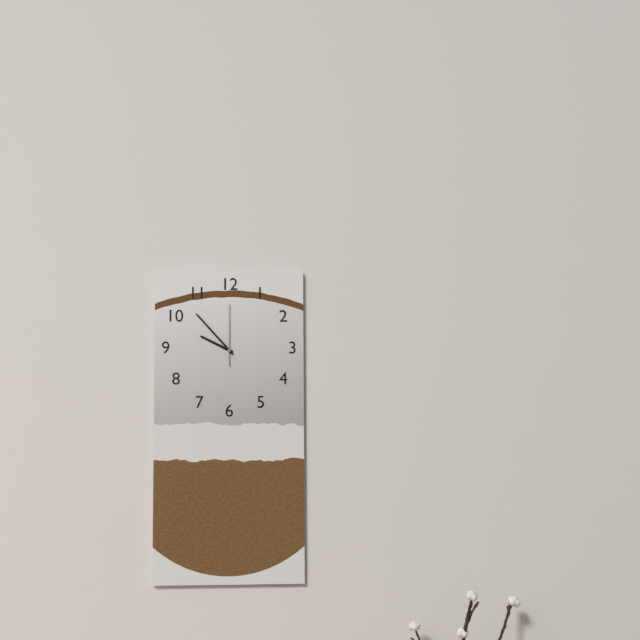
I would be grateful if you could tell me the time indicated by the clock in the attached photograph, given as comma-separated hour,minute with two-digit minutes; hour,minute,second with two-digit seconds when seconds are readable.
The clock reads 9,53,00
